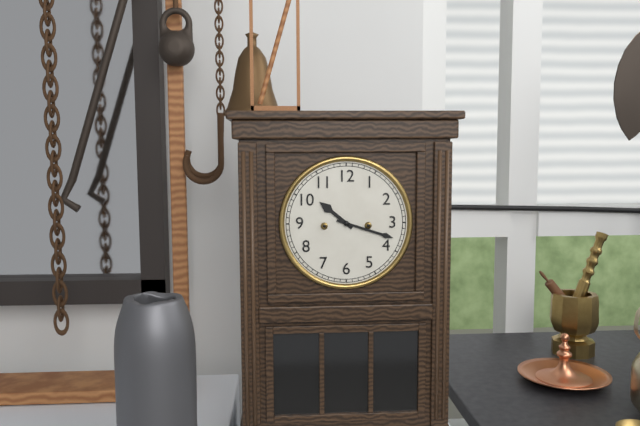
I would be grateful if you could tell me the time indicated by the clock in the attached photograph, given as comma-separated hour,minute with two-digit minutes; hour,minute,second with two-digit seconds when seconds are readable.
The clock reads 10,18
